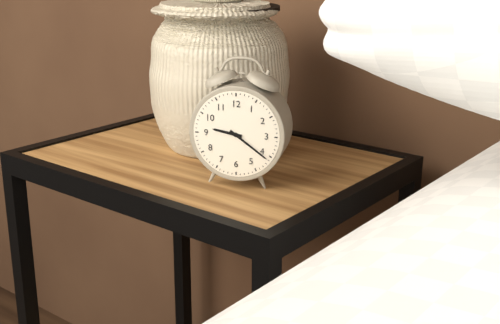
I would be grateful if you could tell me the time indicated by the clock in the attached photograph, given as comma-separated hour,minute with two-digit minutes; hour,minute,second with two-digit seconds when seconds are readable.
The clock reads 9,21
